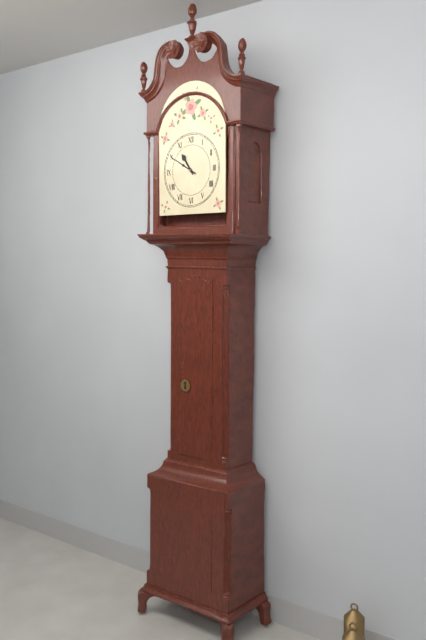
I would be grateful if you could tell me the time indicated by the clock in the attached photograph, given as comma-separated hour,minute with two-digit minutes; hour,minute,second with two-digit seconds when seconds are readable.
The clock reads 10,50
